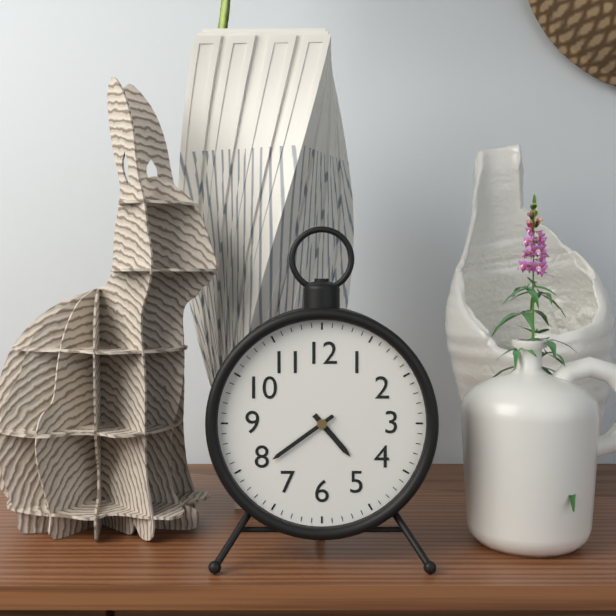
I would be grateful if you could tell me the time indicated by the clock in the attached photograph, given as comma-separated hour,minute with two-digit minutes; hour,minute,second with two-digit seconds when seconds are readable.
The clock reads 4,39
